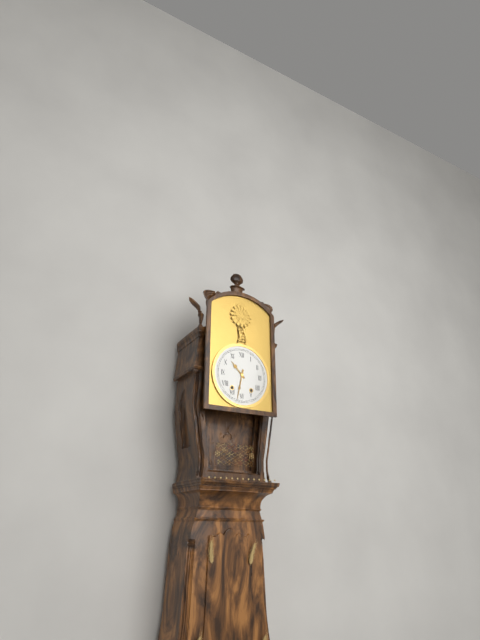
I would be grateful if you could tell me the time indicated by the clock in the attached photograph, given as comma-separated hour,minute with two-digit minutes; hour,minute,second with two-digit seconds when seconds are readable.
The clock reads 10,32
